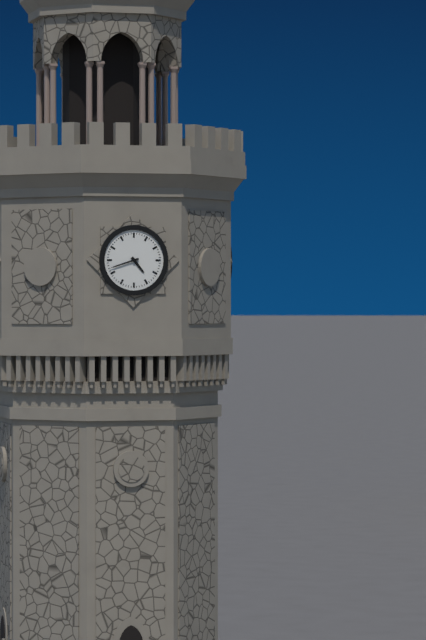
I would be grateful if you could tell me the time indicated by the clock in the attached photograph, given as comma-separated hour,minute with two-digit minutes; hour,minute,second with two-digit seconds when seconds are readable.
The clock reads 4,42
